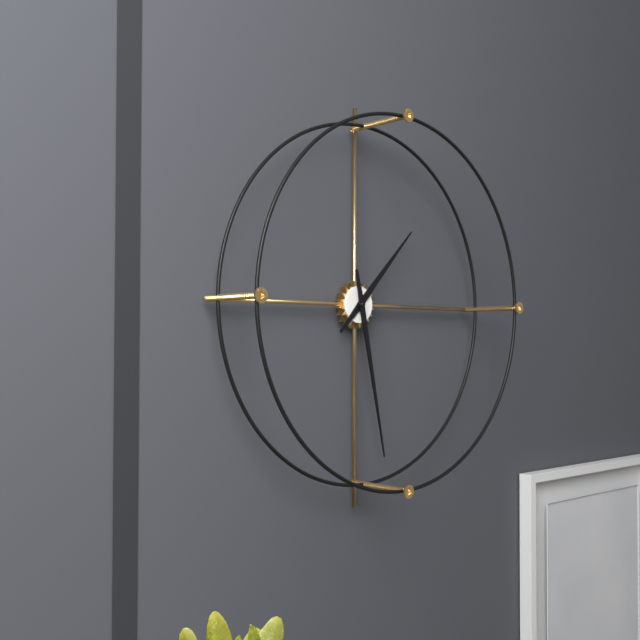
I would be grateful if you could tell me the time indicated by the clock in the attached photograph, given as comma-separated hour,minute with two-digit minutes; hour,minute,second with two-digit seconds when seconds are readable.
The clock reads 1,28
